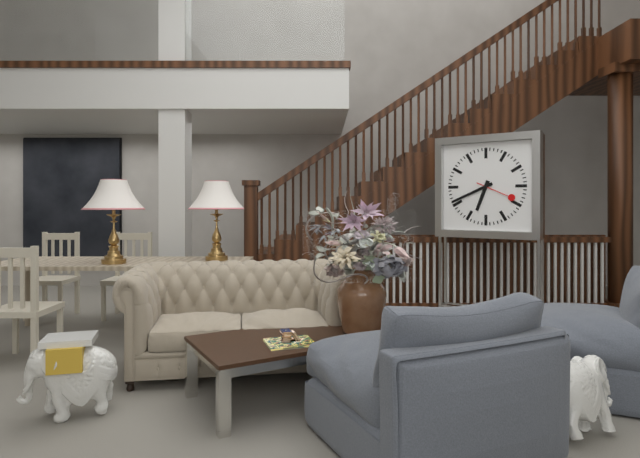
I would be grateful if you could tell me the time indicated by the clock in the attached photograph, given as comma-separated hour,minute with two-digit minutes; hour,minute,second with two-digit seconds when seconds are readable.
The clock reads 6,41
